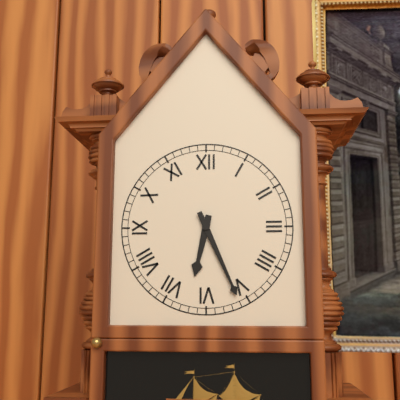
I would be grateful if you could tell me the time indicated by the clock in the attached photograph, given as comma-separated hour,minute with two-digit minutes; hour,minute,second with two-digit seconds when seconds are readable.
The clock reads 6,26
